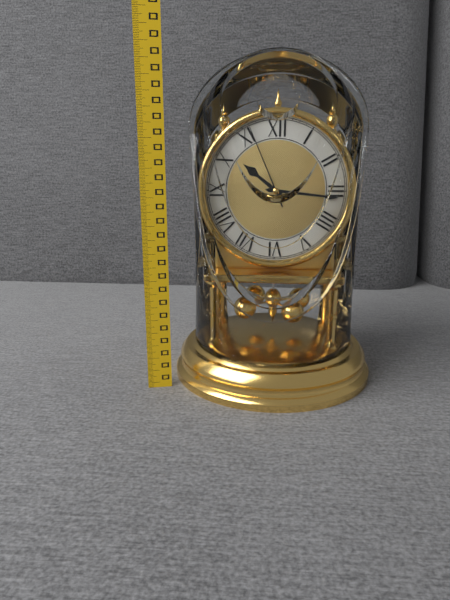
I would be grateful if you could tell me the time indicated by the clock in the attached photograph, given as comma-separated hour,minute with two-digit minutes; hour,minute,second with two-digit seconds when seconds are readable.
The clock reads 10,16,56
